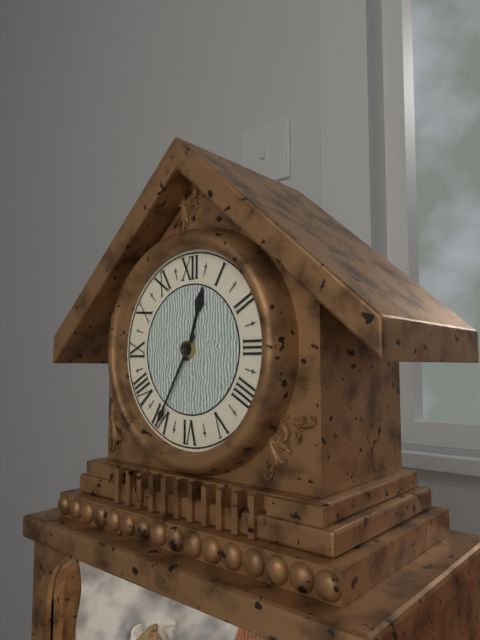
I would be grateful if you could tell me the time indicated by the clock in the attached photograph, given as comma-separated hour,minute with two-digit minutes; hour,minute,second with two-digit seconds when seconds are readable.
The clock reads 12,35
